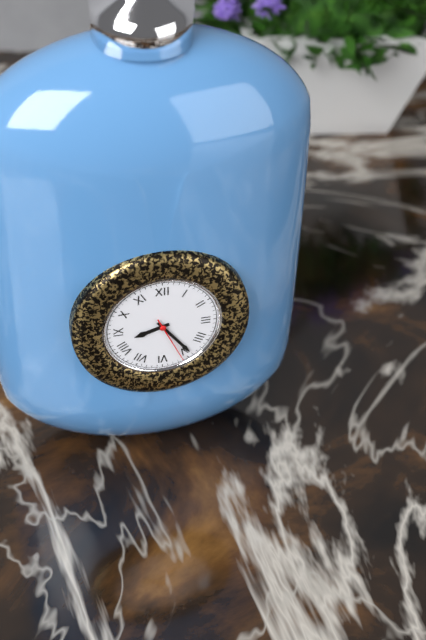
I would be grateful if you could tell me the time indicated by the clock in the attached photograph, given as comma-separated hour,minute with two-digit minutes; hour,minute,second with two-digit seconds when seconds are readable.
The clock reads 8,24
